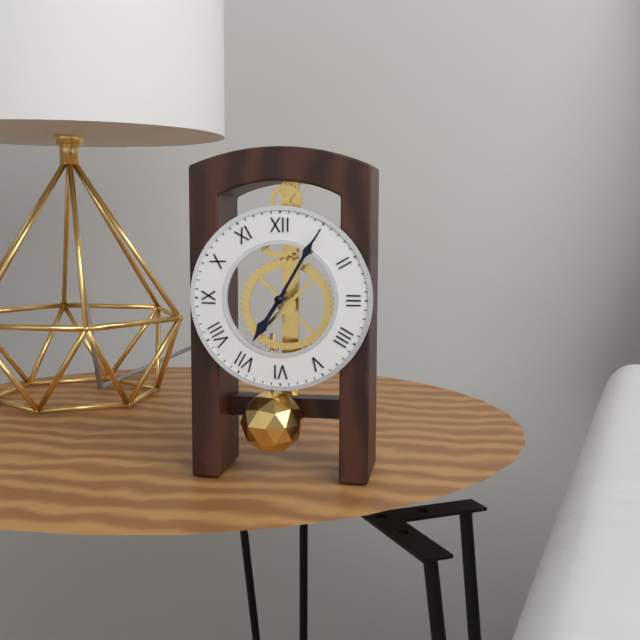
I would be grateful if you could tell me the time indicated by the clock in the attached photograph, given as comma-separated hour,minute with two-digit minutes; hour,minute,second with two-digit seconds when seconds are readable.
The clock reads 7,05
